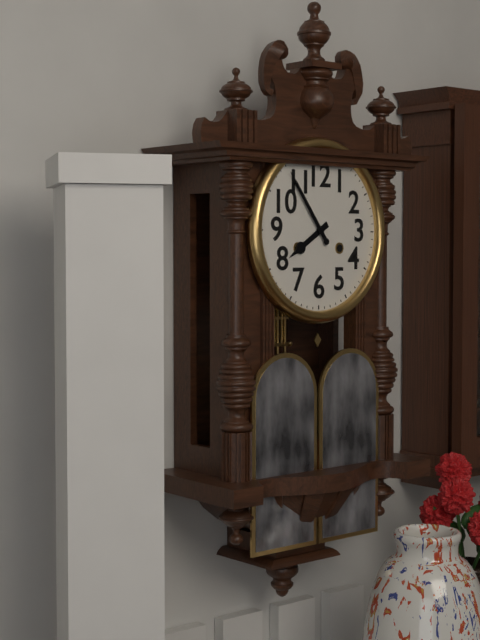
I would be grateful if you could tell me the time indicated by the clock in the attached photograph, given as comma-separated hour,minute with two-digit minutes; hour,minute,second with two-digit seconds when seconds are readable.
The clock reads 7,54
